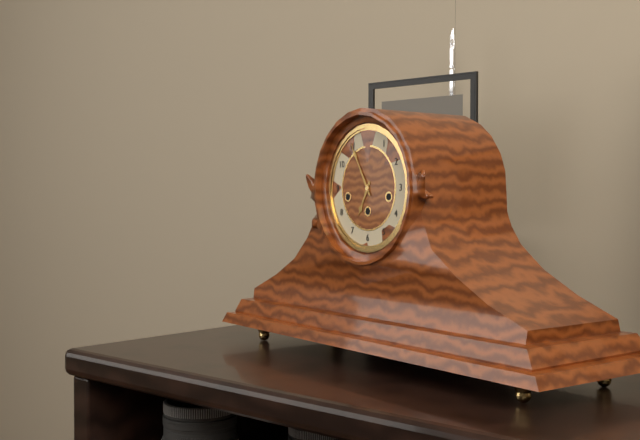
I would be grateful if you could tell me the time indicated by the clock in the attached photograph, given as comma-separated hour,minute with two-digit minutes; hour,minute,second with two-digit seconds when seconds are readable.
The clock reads 6,55
